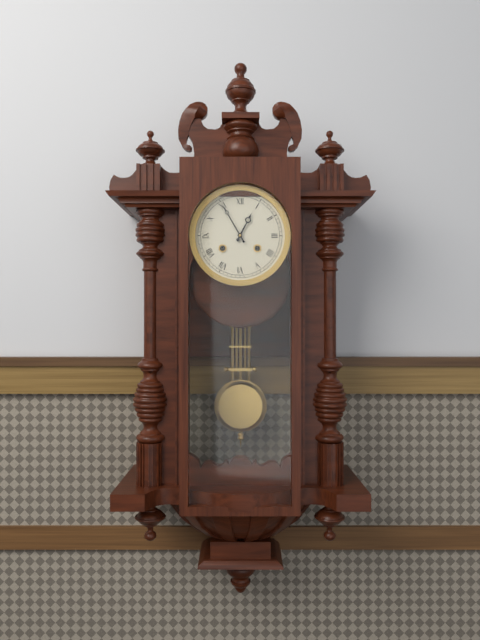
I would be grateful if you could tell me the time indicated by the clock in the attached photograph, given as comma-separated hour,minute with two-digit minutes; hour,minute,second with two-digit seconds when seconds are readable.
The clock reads 12,55
